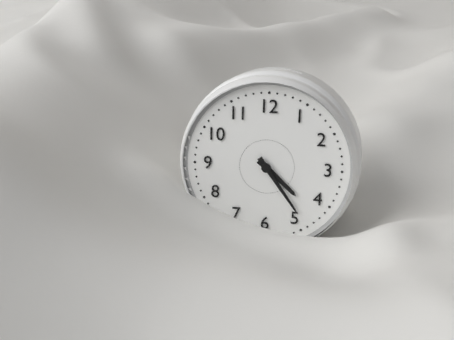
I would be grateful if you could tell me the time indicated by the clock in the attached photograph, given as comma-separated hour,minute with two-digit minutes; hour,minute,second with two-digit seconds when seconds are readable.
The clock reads 4,24
